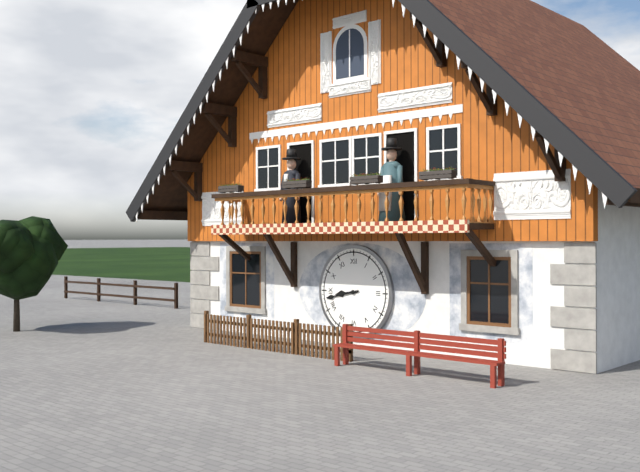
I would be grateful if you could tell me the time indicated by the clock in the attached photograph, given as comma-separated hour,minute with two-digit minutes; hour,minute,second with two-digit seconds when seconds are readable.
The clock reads 8,43
